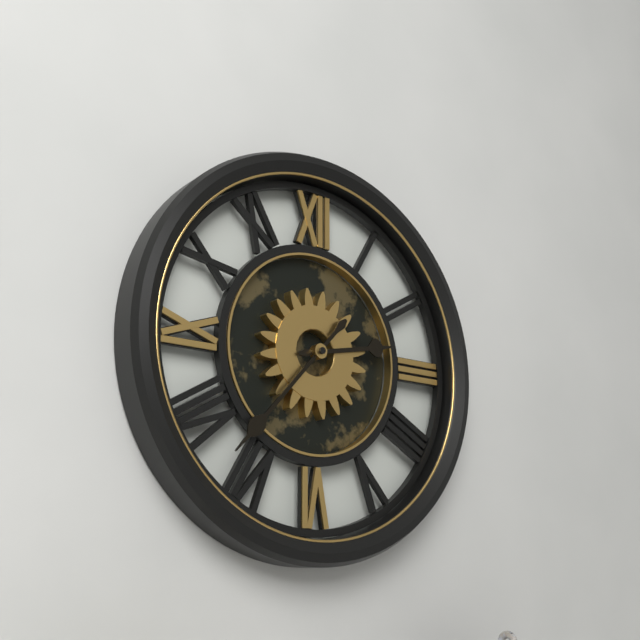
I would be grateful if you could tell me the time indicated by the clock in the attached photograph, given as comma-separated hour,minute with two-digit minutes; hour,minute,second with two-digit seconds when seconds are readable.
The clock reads 2,37
